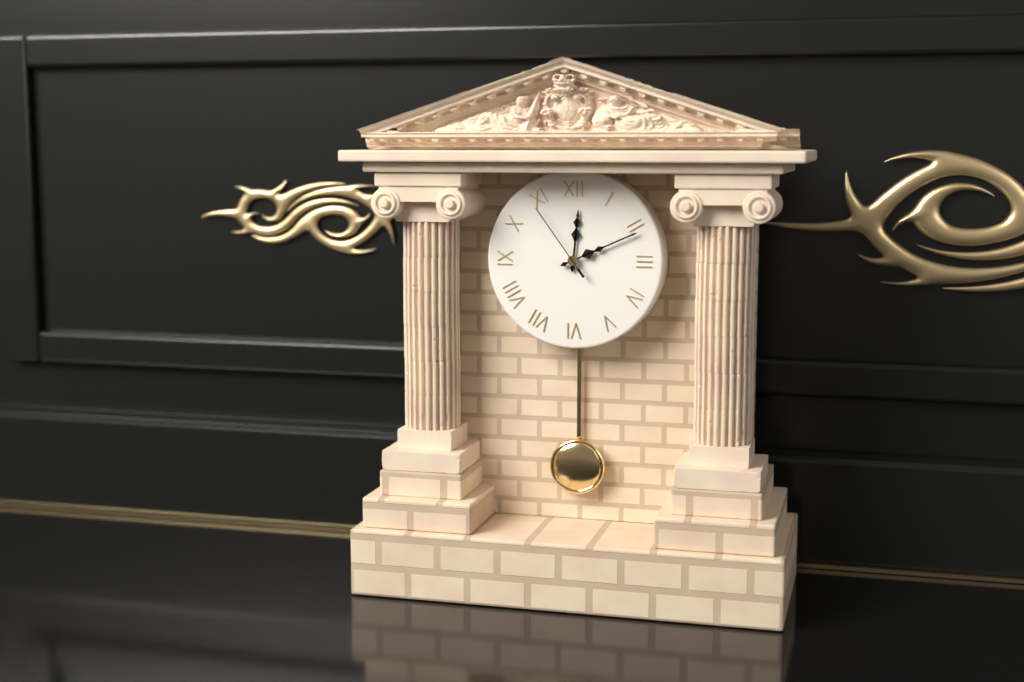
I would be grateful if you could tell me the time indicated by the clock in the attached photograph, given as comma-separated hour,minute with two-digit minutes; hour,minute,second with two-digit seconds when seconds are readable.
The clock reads 12,11,54
